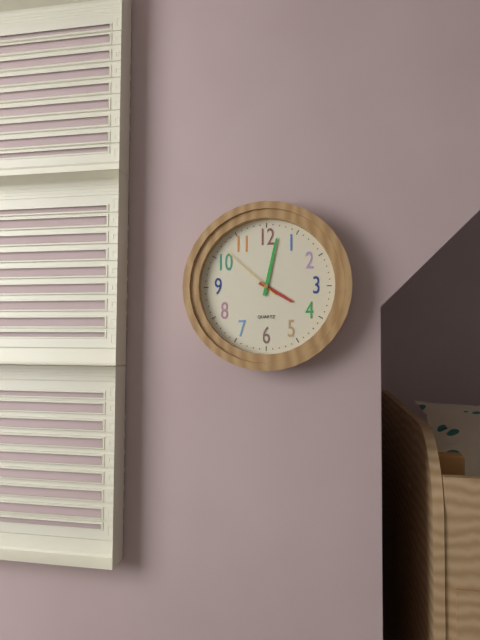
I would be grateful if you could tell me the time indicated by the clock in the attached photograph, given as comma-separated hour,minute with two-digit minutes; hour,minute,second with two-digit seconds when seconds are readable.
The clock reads 4,02,52
